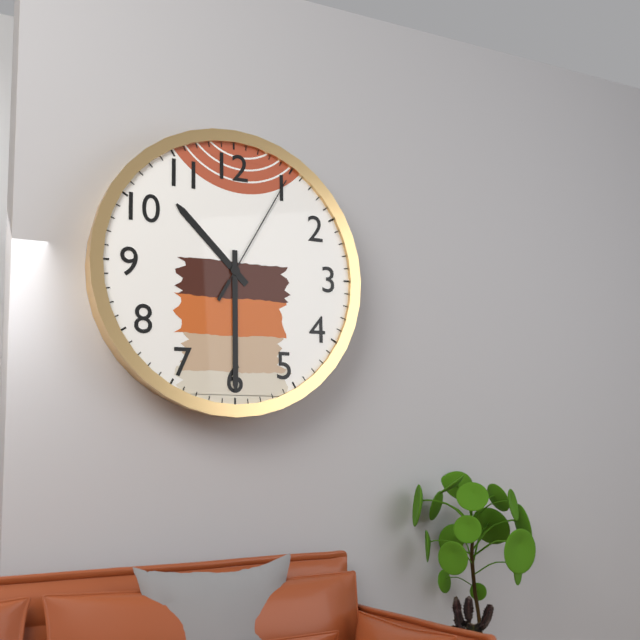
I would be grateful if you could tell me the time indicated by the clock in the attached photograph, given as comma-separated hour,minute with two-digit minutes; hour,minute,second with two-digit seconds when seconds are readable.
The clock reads 10,30,05
